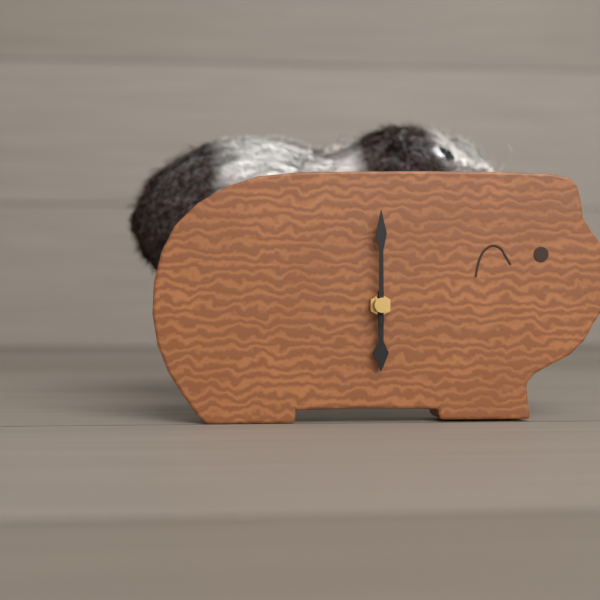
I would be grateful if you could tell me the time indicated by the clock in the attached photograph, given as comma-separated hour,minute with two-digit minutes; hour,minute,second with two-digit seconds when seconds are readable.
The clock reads 6,00
